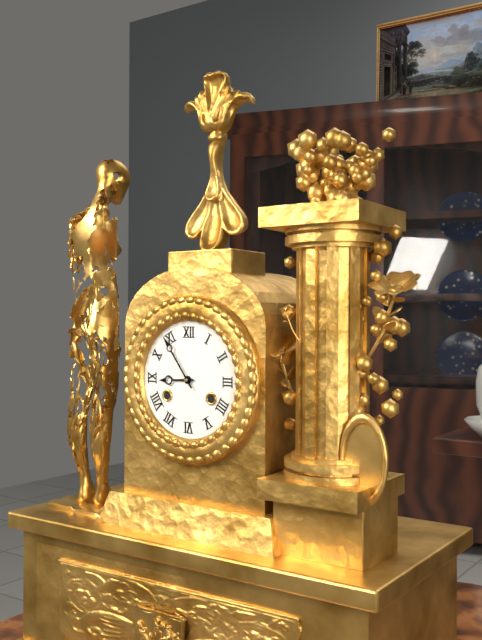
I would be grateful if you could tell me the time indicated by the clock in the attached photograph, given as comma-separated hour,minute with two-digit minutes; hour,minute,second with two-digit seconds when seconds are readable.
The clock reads 8,54
